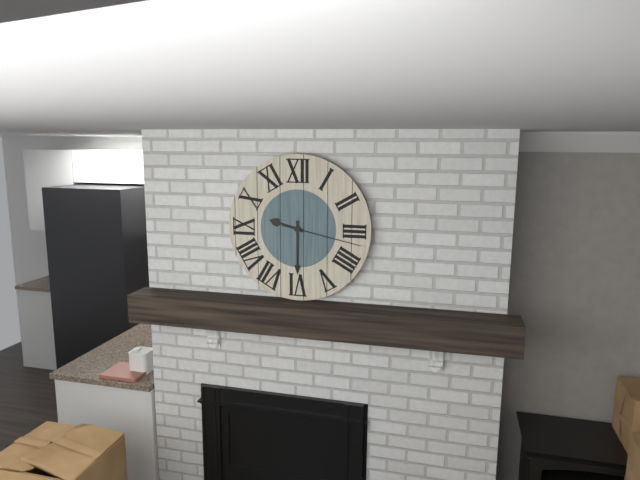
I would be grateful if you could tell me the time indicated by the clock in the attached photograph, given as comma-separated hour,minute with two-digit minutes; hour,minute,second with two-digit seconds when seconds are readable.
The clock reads 9,30,17
